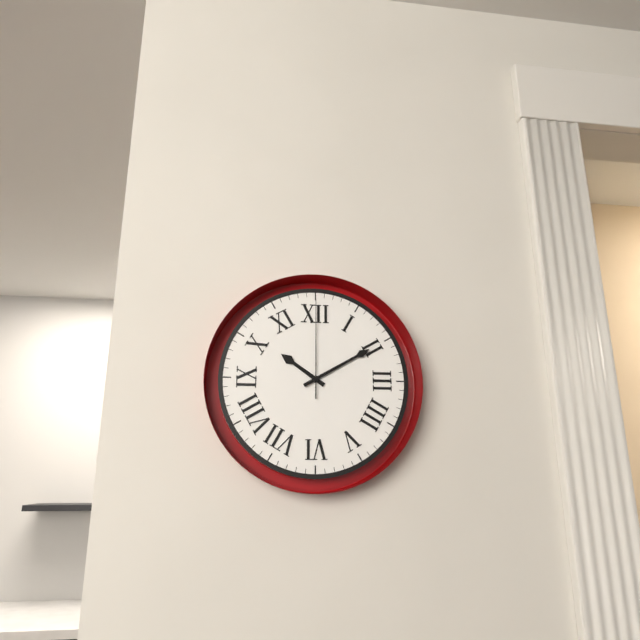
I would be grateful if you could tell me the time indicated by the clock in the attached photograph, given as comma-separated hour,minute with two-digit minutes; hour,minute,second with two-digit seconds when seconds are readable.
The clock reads 10,10,00
